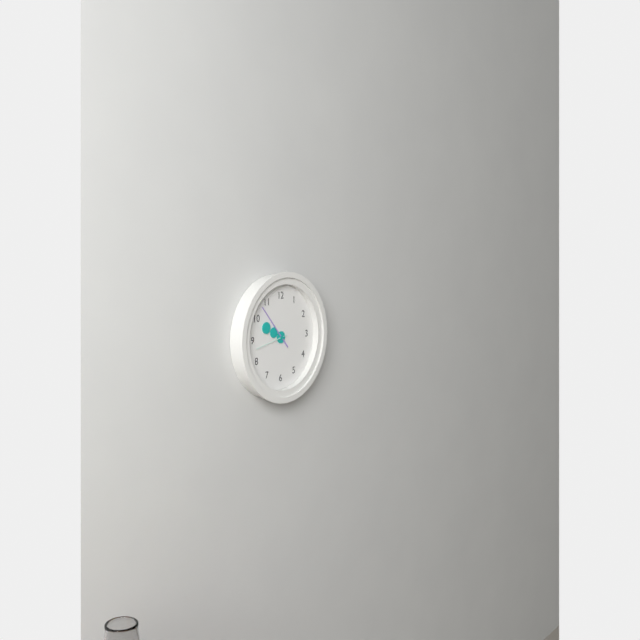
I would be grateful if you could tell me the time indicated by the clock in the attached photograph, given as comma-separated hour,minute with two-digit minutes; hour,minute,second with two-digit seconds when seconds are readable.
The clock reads 9,53
